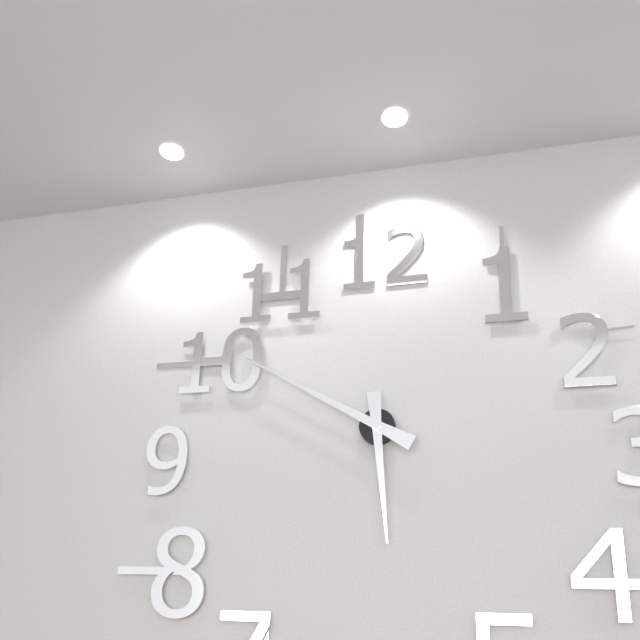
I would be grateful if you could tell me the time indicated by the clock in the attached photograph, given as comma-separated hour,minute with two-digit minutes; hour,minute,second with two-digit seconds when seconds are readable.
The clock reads 5,50
